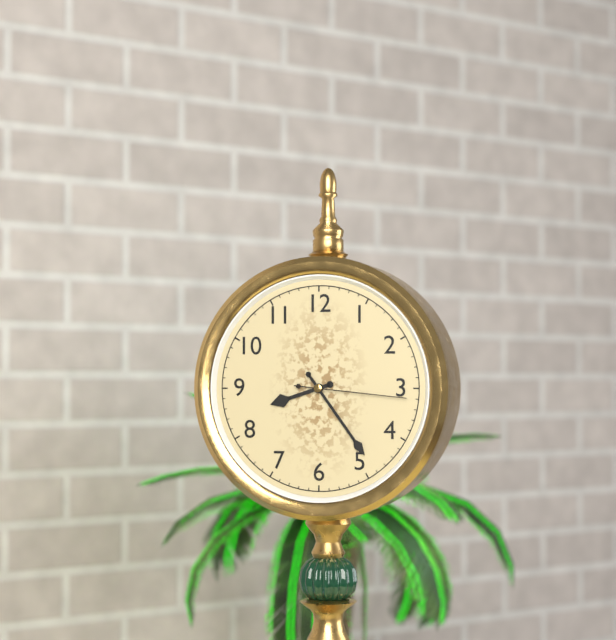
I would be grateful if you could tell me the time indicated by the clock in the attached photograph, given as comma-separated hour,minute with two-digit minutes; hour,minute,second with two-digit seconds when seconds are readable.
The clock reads 8,24,16
